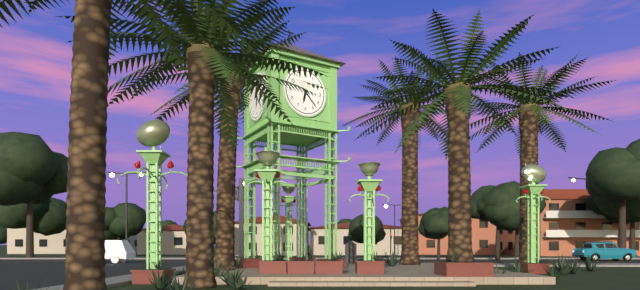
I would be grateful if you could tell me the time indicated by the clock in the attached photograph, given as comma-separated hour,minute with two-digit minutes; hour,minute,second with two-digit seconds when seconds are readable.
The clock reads 6,23
